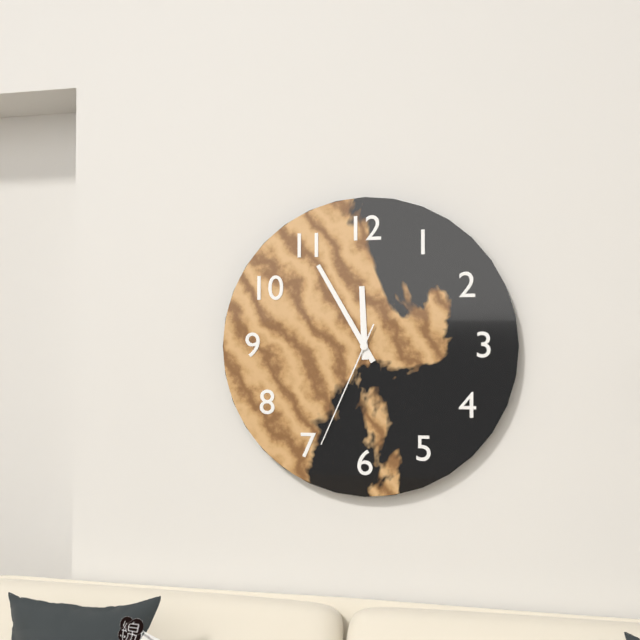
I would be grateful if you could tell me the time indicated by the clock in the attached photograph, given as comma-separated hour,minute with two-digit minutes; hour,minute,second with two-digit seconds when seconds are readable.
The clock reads 11,55,34
